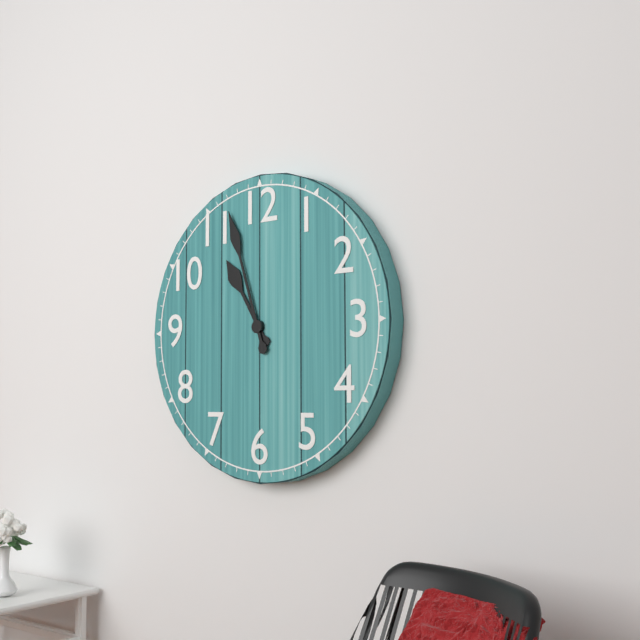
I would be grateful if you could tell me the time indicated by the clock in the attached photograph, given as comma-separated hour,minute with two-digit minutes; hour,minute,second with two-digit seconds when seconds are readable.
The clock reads 10,57
